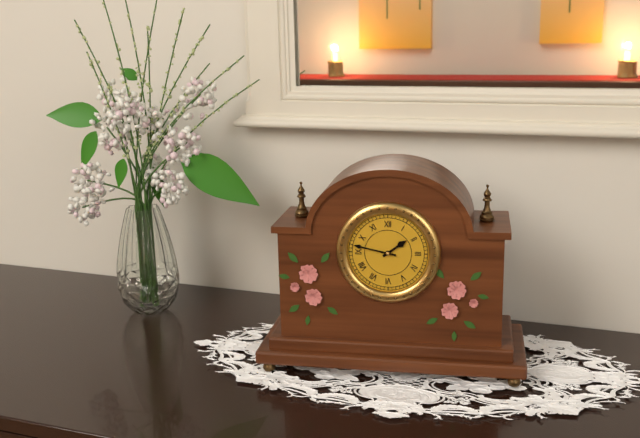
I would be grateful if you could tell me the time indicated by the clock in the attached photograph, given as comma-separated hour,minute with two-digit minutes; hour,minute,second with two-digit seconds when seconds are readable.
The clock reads 1,47
